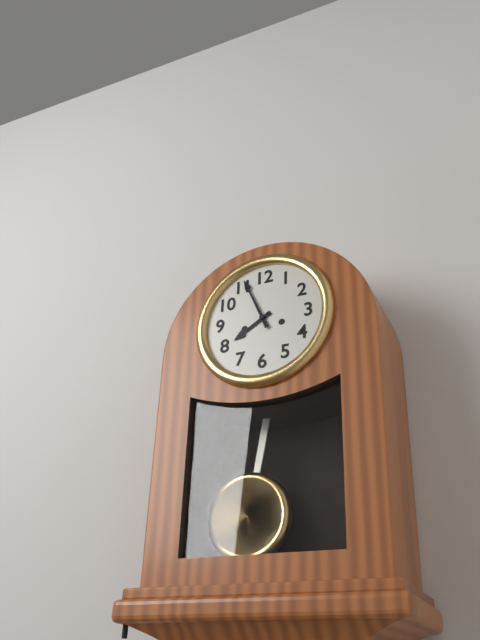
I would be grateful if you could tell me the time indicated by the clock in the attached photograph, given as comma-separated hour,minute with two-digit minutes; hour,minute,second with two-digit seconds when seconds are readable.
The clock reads 7,56
